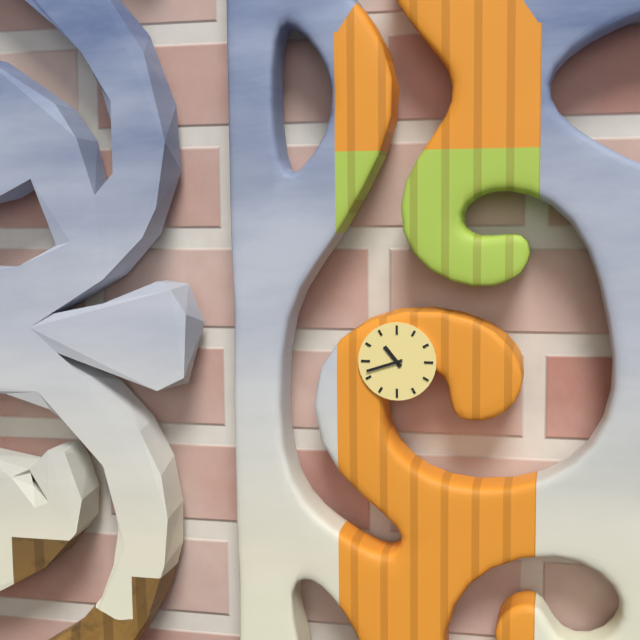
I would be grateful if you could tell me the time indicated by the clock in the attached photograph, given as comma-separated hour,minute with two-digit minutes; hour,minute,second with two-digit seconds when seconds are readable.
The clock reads 10,42
